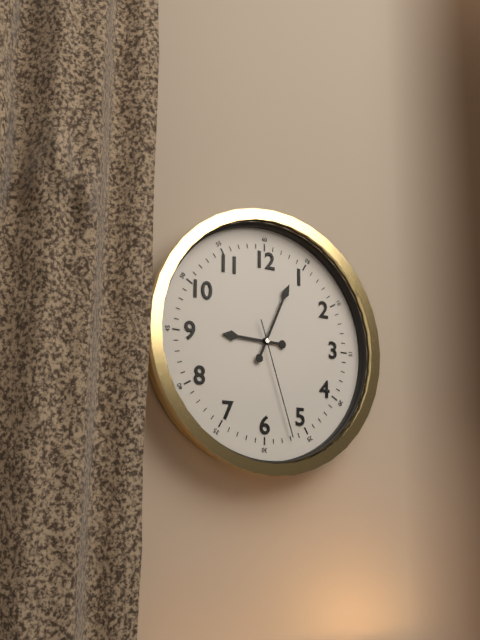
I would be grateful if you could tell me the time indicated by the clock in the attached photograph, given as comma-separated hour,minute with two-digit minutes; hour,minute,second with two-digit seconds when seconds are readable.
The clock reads 9,04,27
